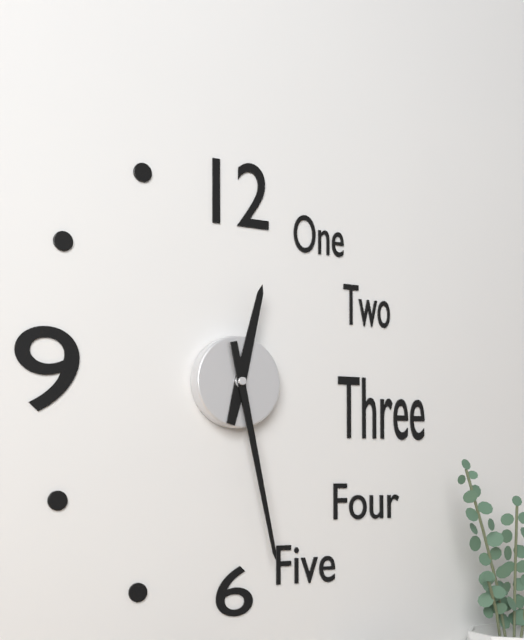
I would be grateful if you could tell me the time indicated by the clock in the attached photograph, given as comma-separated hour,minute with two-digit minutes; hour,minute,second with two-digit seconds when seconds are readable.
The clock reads 12,28
